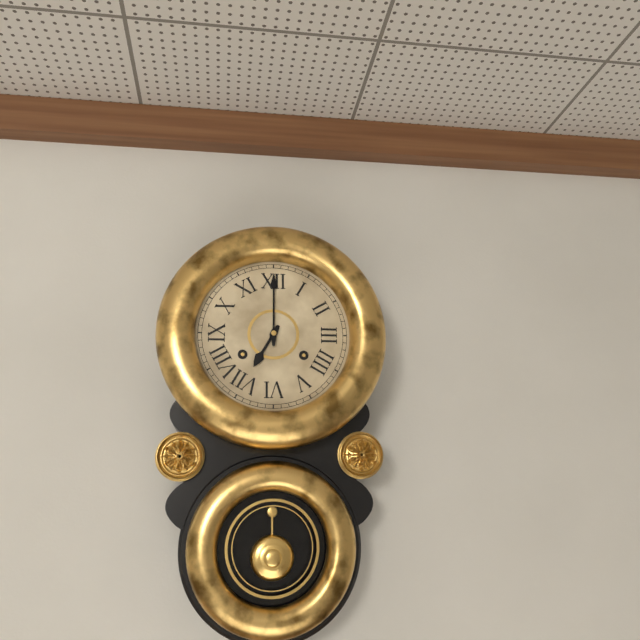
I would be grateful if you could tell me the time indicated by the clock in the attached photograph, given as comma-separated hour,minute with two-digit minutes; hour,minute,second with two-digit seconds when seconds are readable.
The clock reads 7,00
